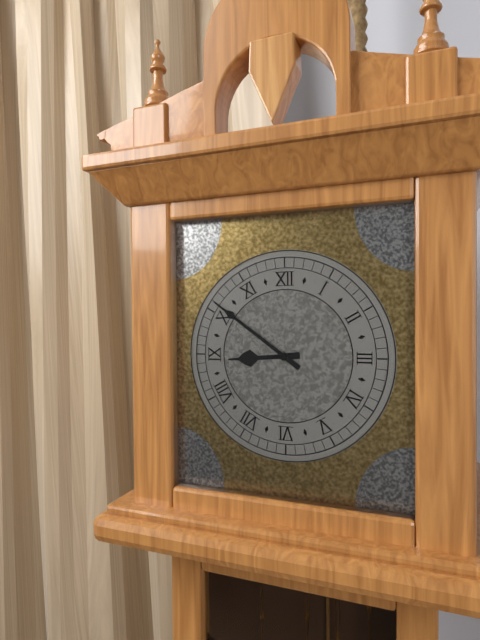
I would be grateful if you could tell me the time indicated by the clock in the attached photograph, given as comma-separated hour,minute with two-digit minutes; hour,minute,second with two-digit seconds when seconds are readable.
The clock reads 8,51
